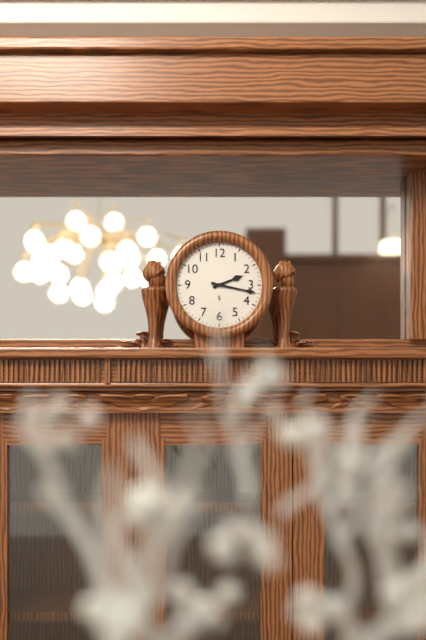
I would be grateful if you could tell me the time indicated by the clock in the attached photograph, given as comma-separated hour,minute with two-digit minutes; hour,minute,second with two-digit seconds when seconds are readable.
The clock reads 2,17
